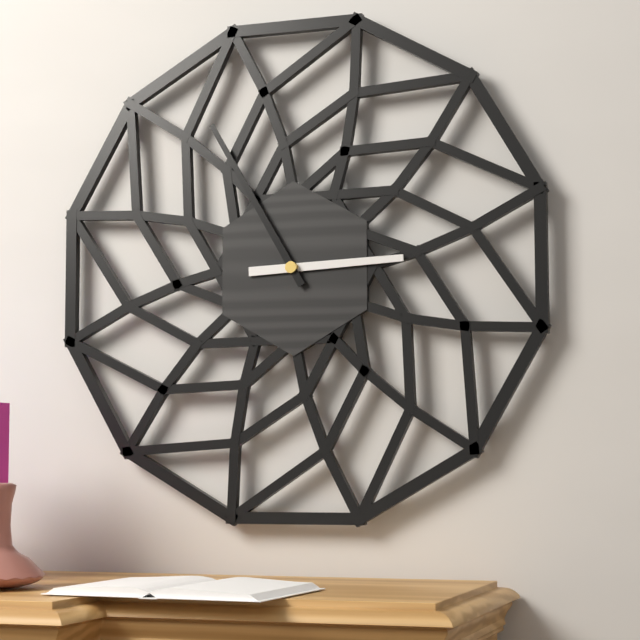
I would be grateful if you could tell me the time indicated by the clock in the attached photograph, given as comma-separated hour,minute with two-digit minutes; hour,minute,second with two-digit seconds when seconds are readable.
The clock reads 2,55
